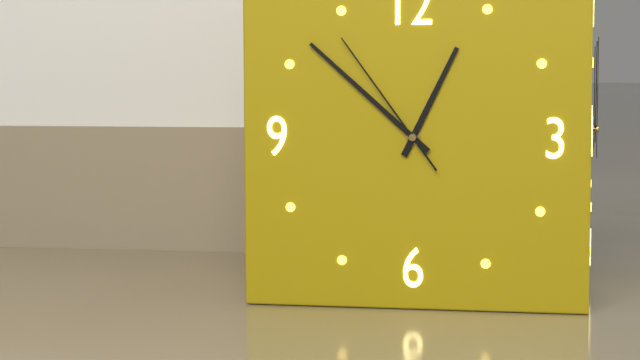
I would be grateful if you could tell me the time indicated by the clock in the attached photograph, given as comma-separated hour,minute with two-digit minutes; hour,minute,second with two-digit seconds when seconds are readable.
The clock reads 12,52,54
